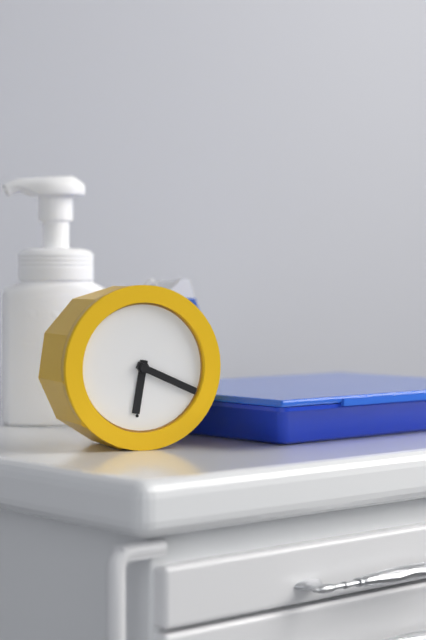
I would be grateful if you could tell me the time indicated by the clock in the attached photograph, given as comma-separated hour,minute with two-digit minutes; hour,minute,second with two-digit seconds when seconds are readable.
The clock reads 6,19
